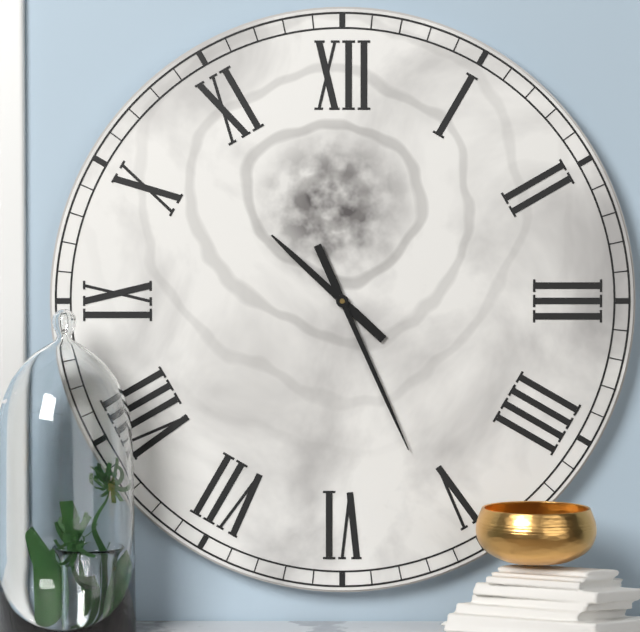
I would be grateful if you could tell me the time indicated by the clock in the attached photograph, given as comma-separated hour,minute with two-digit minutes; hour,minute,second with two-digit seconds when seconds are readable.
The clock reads 10,26
